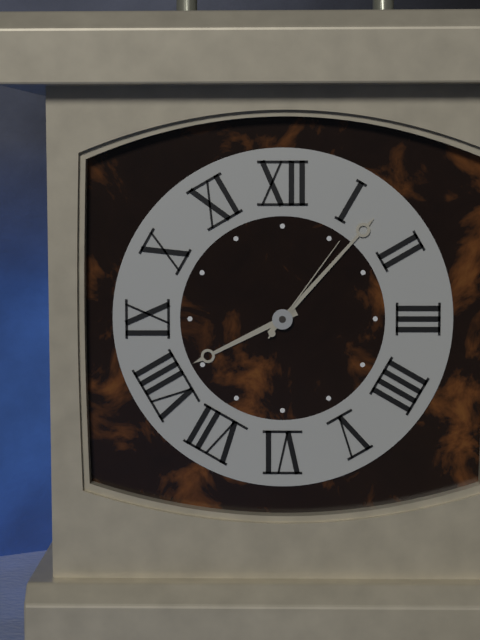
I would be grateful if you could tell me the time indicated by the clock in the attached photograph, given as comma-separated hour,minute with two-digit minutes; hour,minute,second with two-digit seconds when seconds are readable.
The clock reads 8,07,06
